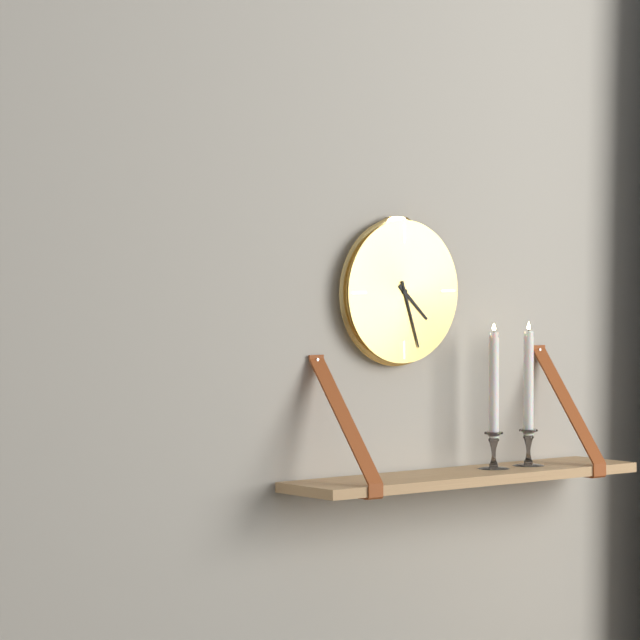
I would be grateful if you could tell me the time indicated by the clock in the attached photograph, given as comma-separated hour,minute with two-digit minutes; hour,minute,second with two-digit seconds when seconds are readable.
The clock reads 4,27
